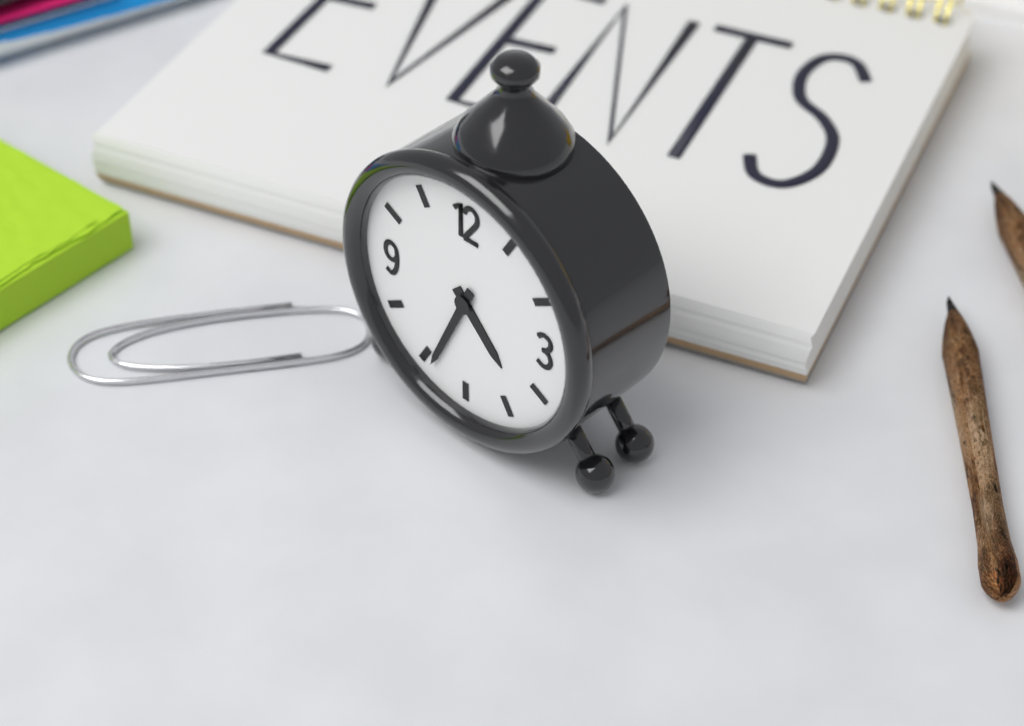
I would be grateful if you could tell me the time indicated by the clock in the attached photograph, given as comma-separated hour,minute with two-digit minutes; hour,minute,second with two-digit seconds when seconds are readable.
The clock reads 4,34
